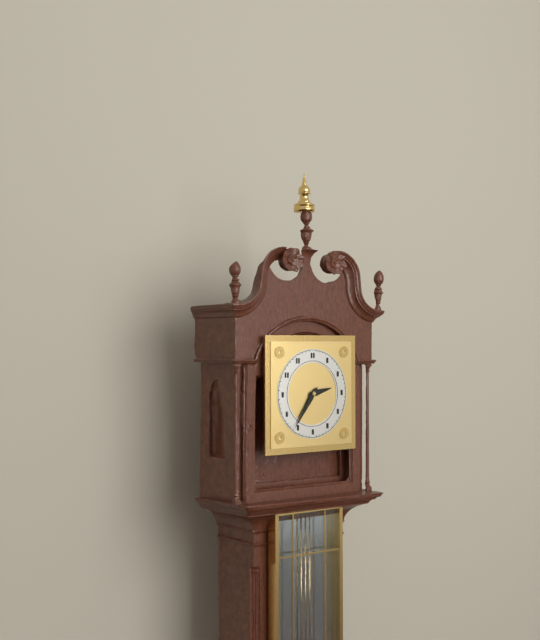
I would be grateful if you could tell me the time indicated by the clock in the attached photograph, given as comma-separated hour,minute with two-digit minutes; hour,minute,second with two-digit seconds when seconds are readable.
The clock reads 2,36
